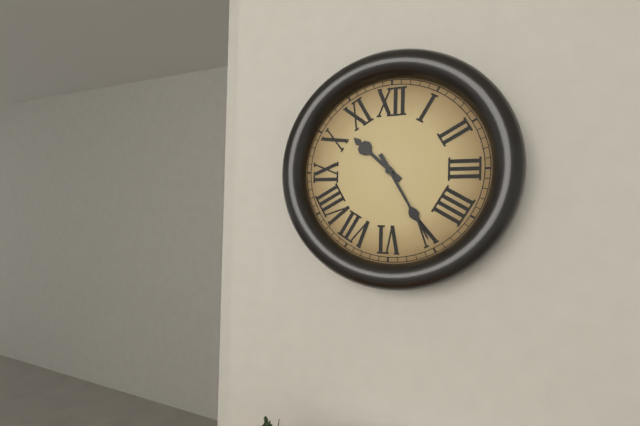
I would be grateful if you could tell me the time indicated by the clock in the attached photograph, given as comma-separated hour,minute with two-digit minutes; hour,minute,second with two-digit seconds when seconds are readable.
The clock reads 10,25
